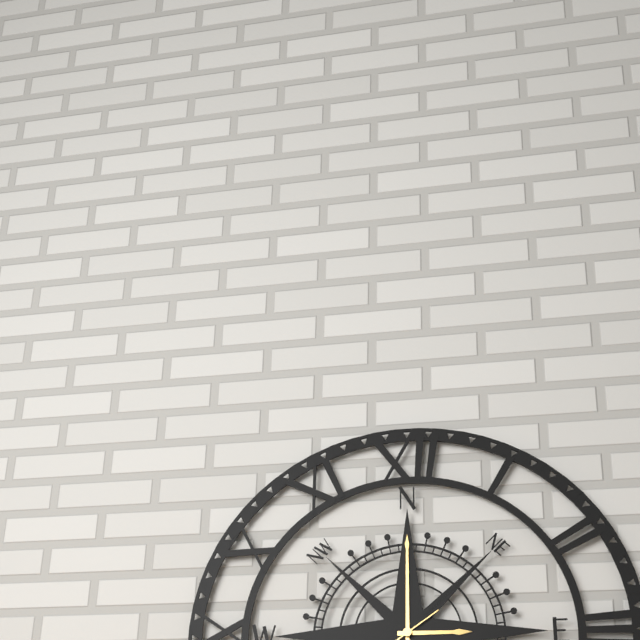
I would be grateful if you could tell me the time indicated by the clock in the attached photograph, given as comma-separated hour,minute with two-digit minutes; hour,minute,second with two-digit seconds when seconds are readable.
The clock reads 3,00
